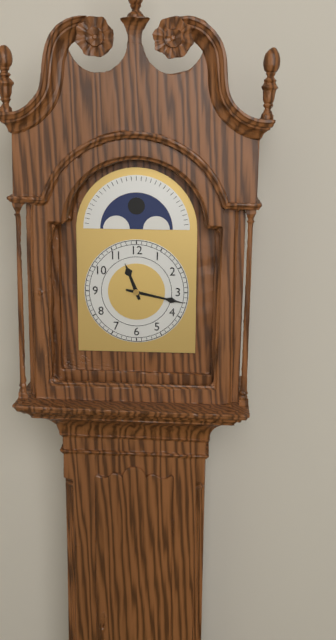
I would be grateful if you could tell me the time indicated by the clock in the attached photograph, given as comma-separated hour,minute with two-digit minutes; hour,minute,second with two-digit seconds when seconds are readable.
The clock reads 11,17
